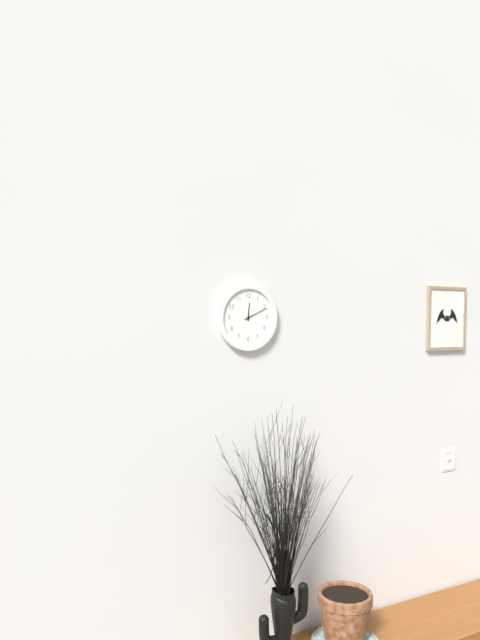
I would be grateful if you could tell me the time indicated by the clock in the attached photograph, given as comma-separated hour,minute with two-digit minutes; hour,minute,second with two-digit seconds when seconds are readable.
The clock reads 12,11
